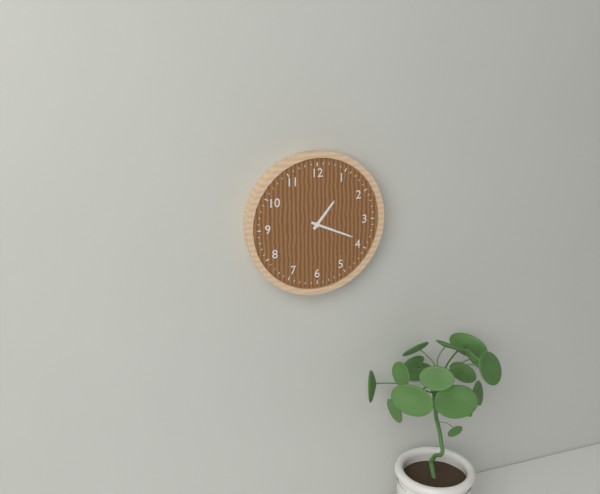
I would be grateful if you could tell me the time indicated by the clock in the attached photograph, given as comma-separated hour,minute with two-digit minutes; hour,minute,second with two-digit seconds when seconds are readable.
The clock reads 1,19
